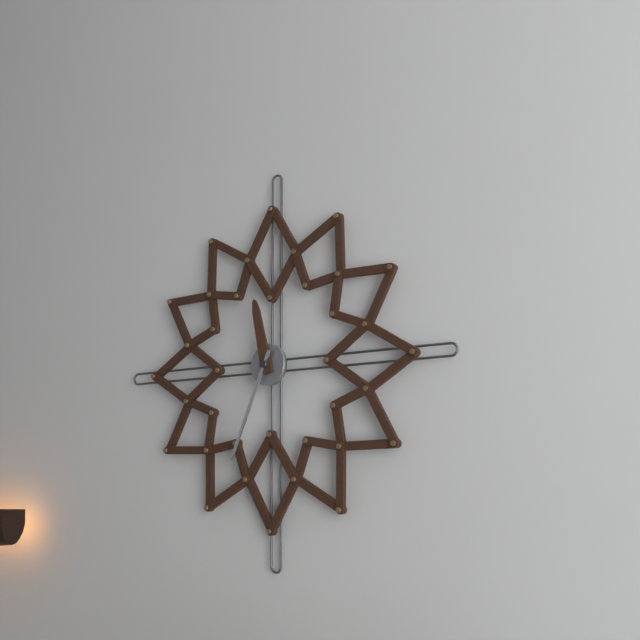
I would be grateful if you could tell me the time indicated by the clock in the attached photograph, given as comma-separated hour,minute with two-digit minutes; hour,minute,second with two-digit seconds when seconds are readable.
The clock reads 11,34
